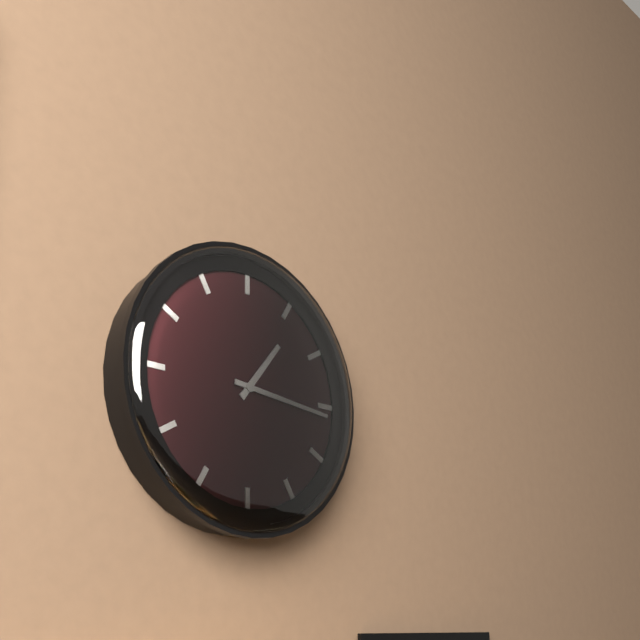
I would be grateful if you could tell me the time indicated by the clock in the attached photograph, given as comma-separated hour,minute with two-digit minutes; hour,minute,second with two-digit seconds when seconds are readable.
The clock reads 1,16
